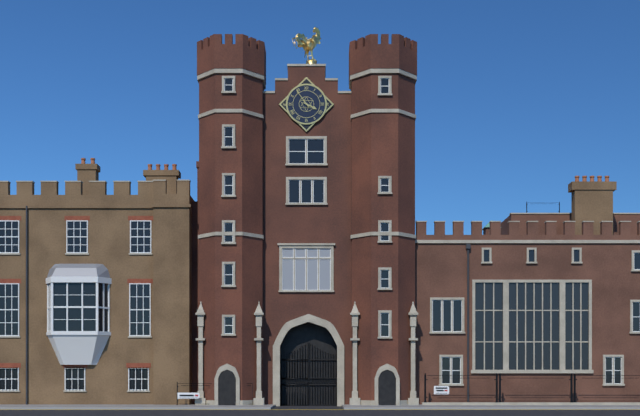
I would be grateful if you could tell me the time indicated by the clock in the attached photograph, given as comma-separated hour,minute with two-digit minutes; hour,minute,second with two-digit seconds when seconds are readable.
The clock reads 3,54
